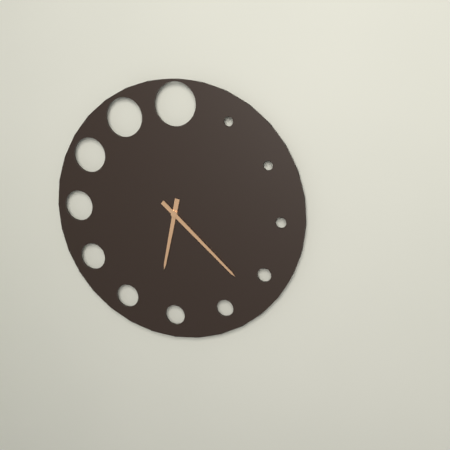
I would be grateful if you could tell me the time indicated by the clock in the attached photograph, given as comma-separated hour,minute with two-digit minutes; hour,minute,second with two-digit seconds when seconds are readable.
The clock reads 6,22
